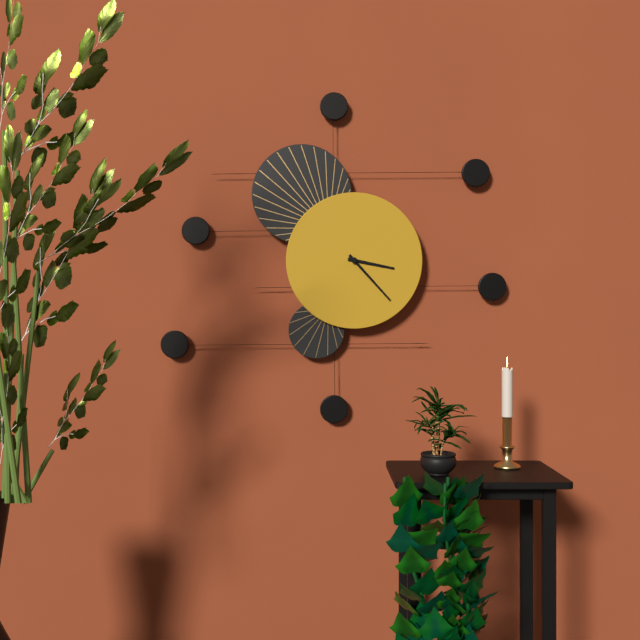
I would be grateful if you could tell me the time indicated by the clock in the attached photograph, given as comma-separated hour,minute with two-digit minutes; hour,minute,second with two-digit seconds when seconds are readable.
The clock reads 3,23
